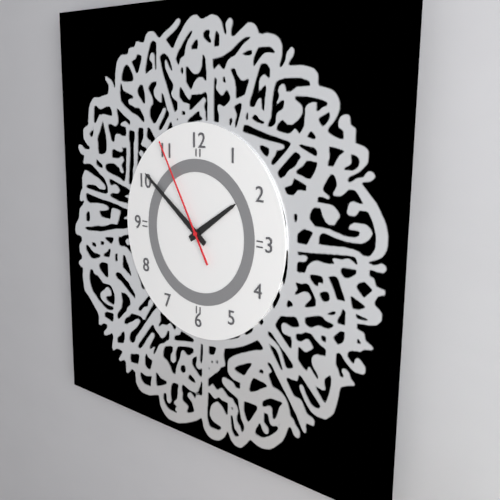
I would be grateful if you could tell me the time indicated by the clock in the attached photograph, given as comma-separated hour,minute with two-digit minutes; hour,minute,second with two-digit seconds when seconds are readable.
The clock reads 1,51,55
